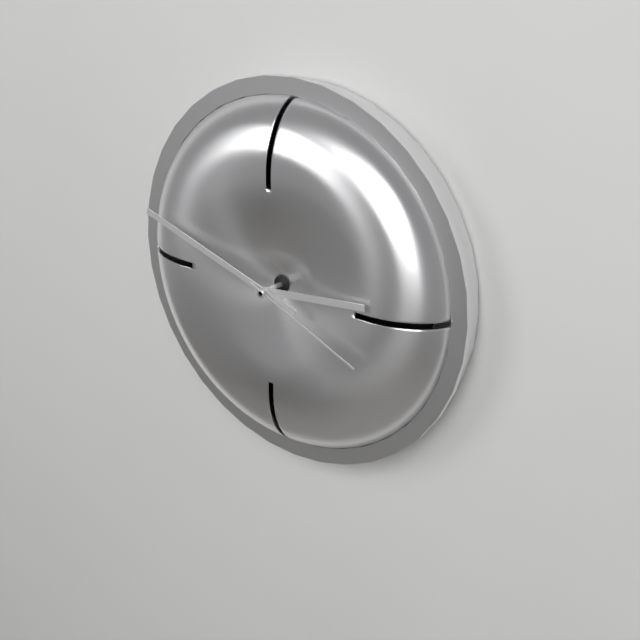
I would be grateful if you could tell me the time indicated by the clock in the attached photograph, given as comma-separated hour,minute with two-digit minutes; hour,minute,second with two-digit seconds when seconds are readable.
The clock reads 2,48,19
